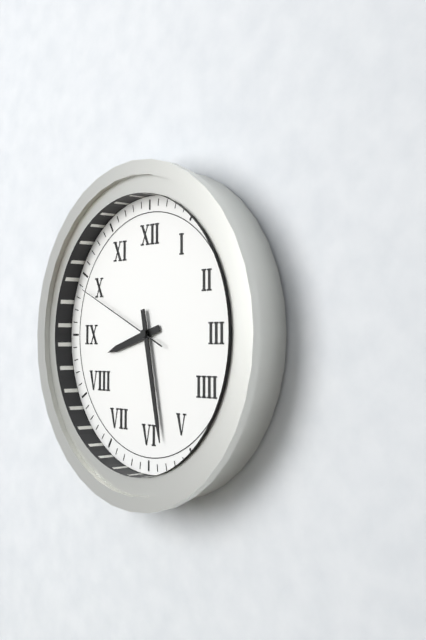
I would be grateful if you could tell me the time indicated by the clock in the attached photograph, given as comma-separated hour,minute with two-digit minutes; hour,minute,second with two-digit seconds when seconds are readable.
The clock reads 8,28,49
